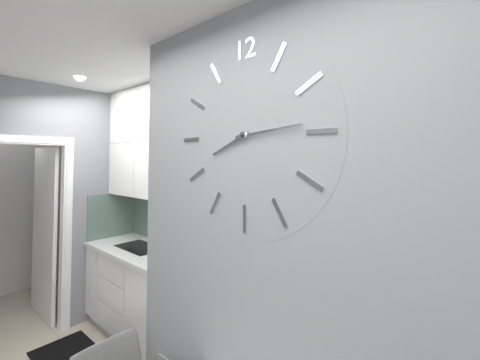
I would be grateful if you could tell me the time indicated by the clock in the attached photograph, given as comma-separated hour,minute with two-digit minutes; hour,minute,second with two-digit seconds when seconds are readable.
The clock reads 8,14
